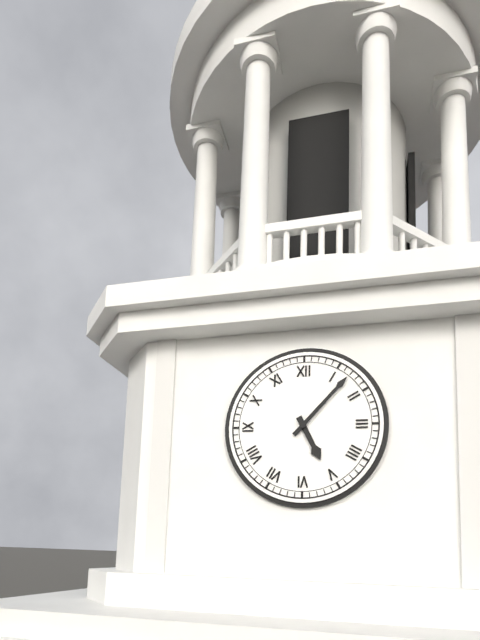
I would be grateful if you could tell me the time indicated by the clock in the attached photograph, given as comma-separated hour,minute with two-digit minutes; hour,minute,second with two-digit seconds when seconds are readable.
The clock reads 5,07
